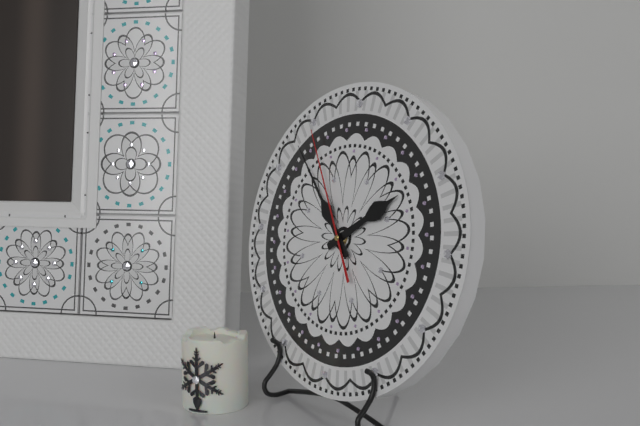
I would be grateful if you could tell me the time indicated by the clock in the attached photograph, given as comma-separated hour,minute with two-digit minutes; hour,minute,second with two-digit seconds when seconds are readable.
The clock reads 1,53,55
